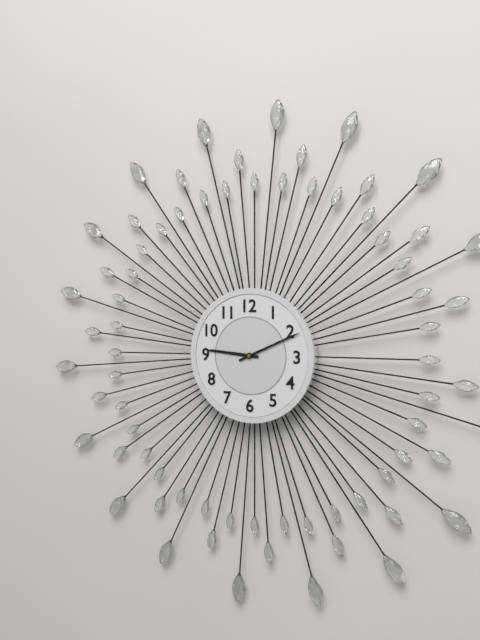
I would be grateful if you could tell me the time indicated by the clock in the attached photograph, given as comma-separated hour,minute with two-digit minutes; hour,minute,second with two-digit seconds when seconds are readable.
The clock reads 9,11
